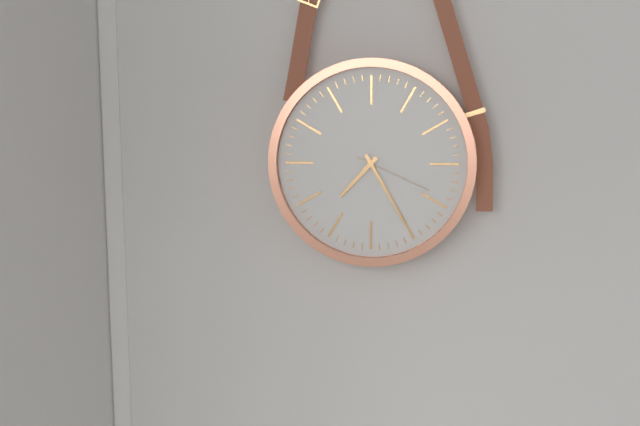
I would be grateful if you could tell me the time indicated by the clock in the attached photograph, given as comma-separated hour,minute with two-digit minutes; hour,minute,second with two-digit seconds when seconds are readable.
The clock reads 7,25,19
